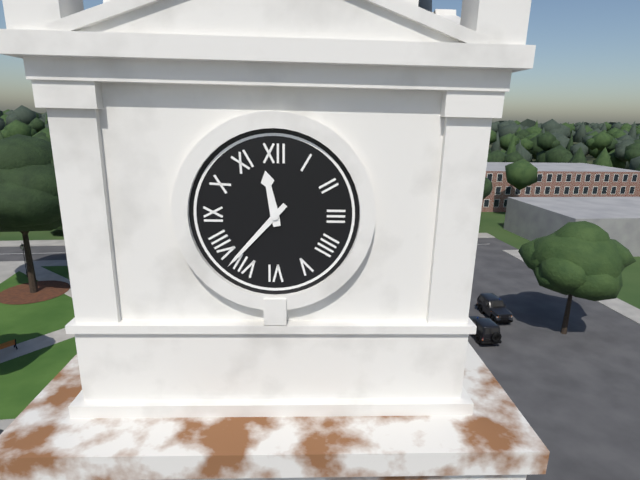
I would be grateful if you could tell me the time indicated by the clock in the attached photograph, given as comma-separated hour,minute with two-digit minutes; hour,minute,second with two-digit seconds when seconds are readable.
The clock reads 11,37
